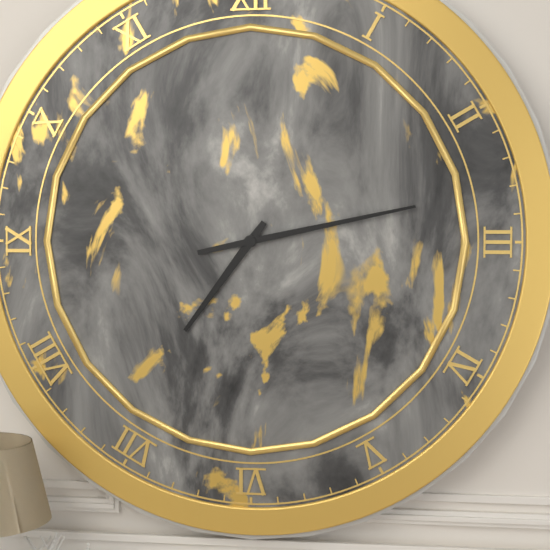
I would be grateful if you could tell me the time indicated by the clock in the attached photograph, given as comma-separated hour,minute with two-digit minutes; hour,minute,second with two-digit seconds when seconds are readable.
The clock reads 7,13
